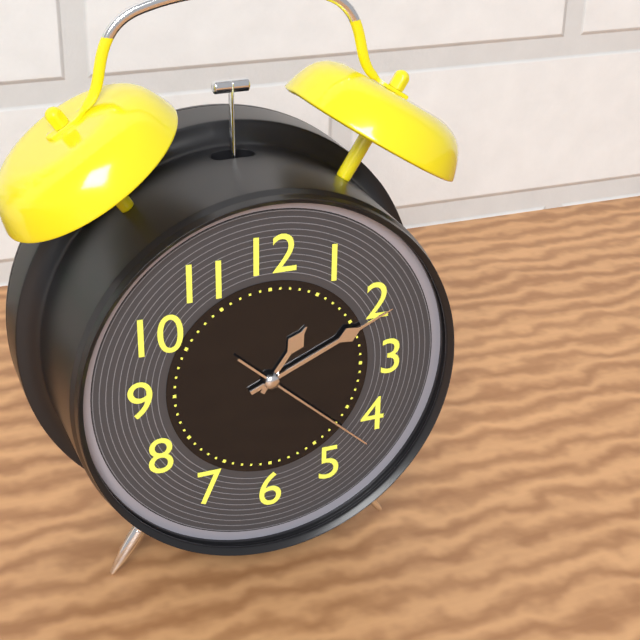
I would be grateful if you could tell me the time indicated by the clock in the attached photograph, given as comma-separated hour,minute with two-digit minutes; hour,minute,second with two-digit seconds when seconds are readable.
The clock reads 1,11,22
